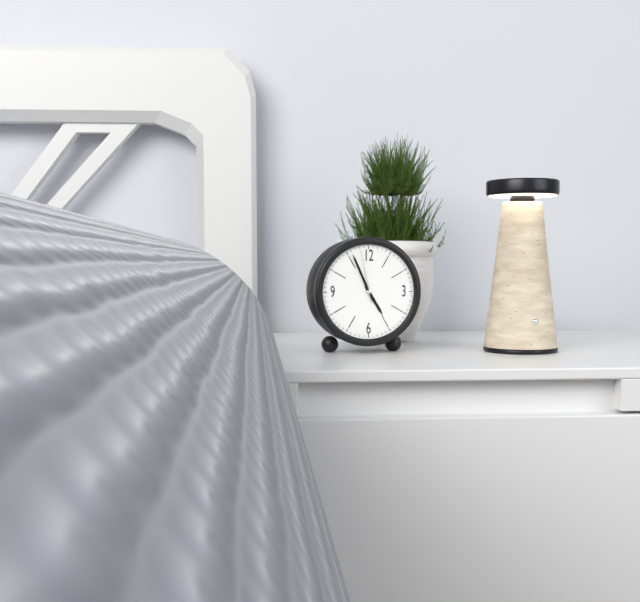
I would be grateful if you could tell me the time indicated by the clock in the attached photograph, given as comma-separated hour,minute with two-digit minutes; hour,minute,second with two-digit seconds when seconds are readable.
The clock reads 4,56,58
